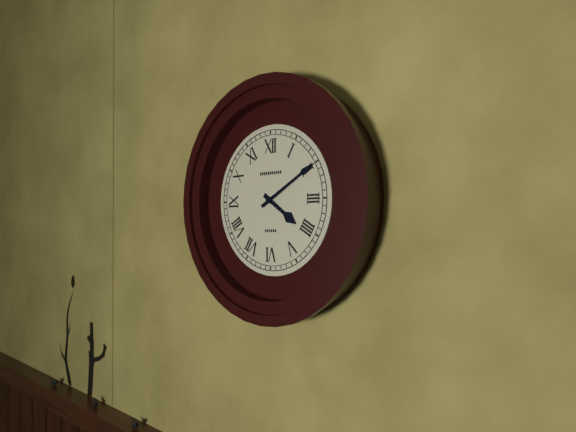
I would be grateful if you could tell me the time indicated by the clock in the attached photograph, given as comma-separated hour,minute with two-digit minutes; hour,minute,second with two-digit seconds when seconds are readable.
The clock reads 4,10
